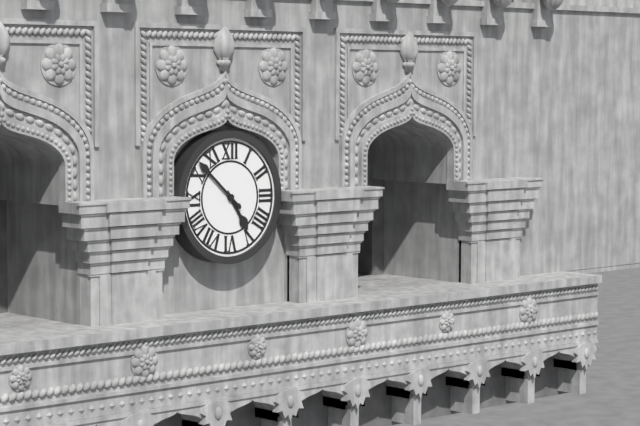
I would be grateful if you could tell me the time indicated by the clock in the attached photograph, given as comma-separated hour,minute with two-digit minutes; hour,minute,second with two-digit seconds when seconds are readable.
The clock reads 4,52
